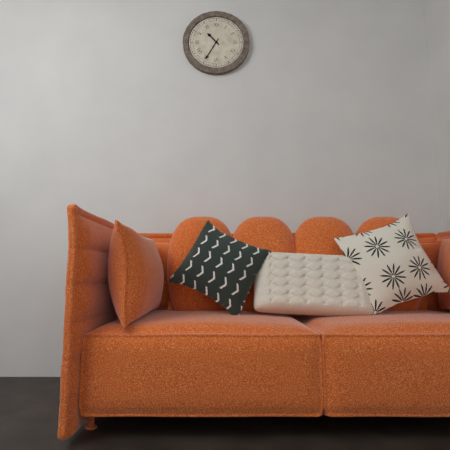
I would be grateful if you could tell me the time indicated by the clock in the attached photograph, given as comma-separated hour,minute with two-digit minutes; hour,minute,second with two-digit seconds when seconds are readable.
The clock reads 10,35
